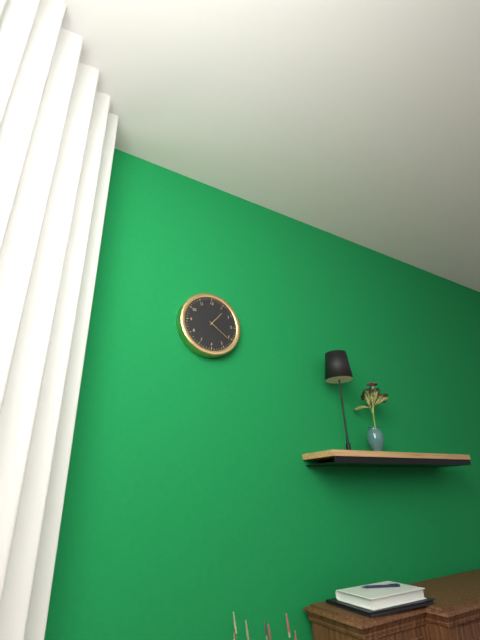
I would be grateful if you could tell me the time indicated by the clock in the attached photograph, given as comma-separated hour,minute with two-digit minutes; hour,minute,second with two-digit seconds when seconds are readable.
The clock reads 1,21
